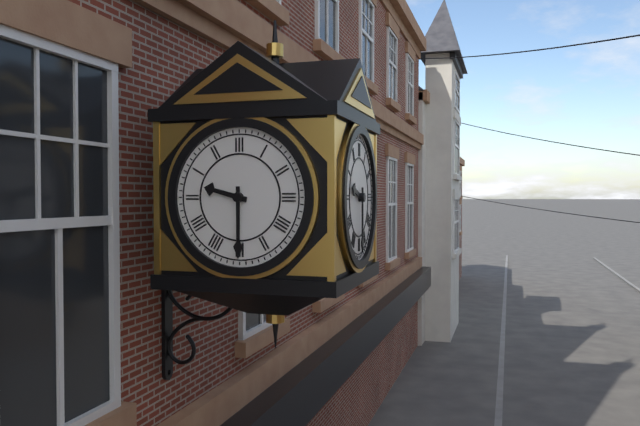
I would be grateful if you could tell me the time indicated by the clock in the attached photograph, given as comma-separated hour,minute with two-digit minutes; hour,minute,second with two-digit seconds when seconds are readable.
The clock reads 9,30
